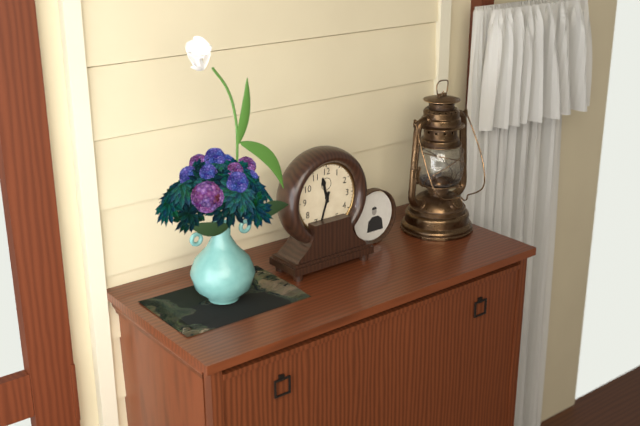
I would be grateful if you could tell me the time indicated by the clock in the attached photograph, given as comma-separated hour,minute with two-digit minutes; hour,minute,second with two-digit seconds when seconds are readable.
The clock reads 11,33
